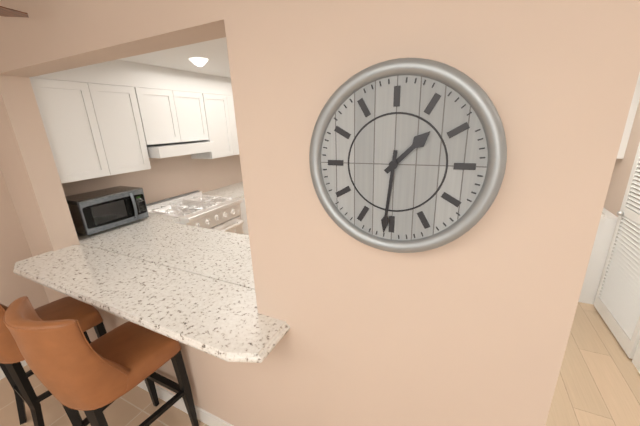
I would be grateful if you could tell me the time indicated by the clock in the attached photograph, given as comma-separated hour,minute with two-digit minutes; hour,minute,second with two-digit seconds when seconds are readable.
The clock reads 1,31
